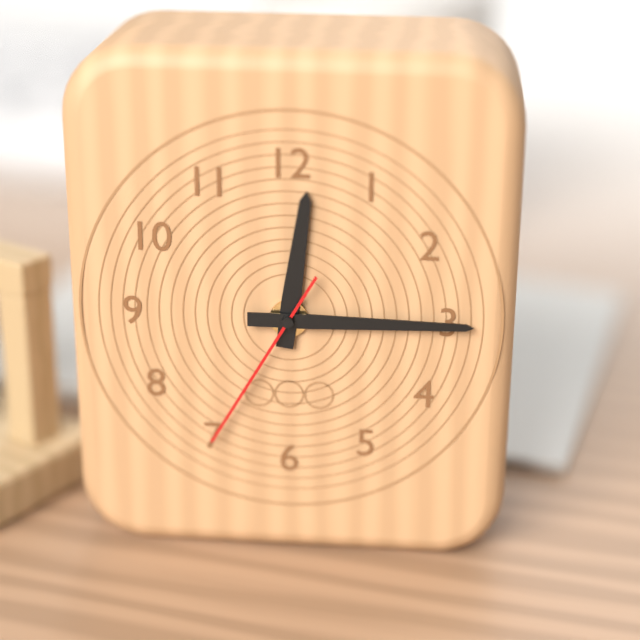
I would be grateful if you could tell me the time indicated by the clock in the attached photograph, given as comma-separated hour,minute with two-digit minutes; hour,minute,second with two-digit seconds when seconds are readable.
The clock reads 12,15,35
